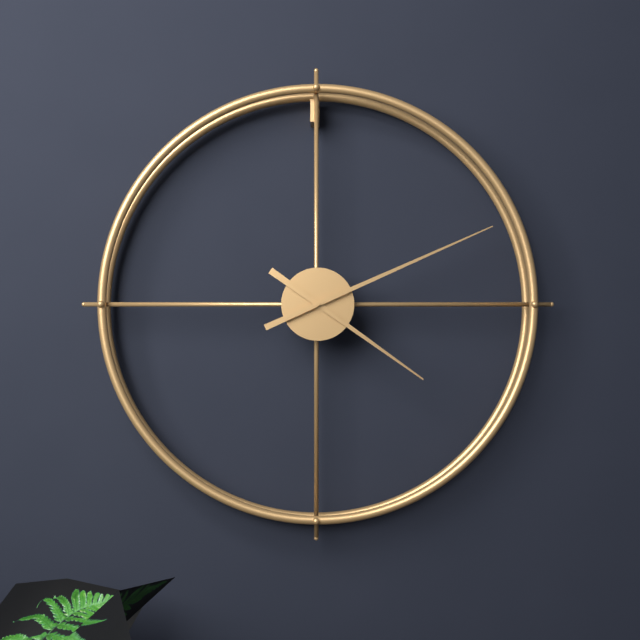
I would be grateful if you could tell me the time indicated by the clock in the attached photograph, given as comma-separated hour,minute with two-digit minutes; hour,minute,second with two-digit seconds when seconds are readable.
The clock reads 4,11
